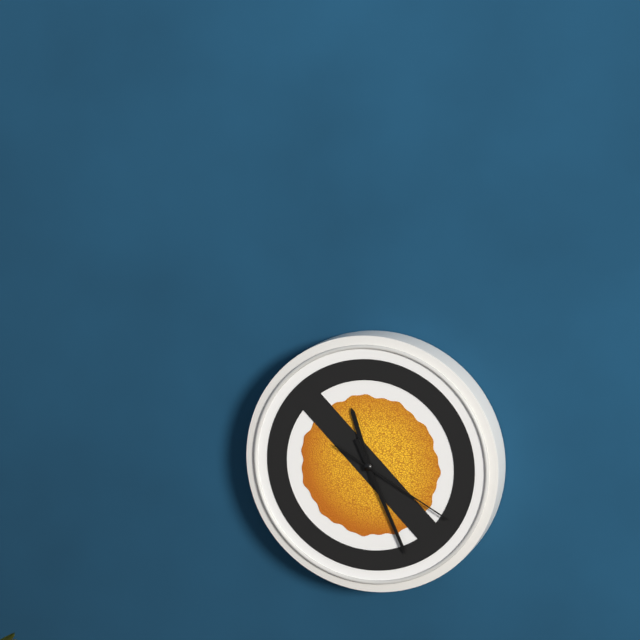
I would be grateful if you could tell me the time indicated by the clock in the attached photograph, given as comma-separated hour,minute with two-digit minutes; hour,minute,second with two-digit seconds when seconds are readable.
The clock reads 11,26,20
